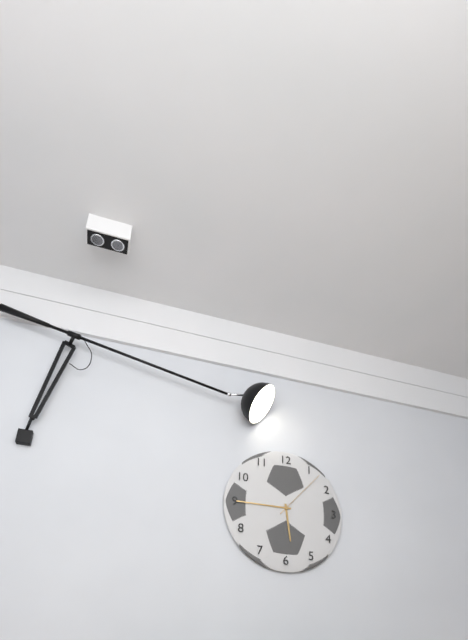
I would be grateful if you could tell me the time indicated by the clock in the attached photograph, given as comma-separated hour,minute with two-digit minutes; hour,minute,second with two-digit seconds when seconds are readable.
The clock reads 5,45,07
